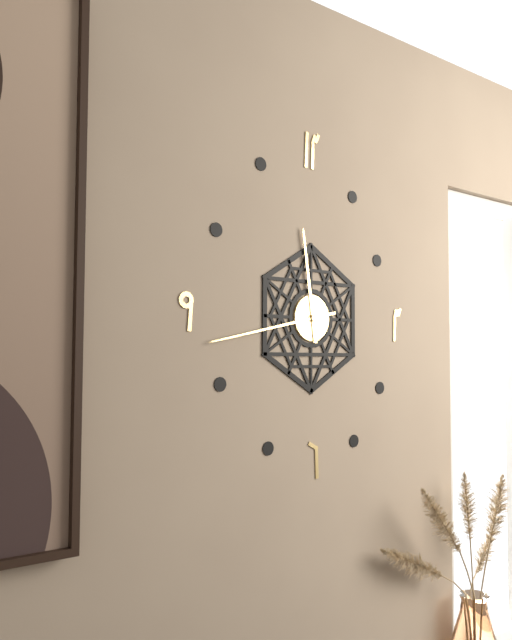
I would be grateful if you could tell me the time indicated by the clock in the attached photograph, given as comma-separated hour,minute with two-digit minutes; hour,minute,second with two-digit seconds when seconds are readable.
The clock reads 11,43
